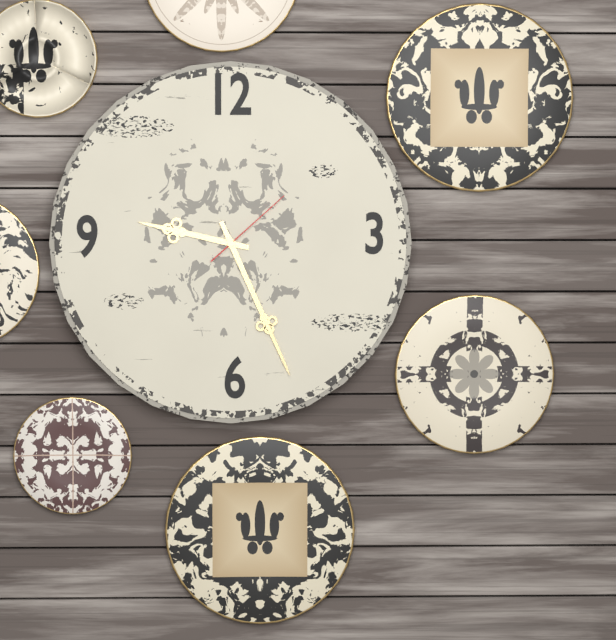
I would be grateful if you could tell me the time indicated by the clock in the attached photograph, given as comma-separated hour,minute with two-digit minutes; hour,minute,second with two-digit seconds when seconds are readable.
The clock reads 9,26,08
